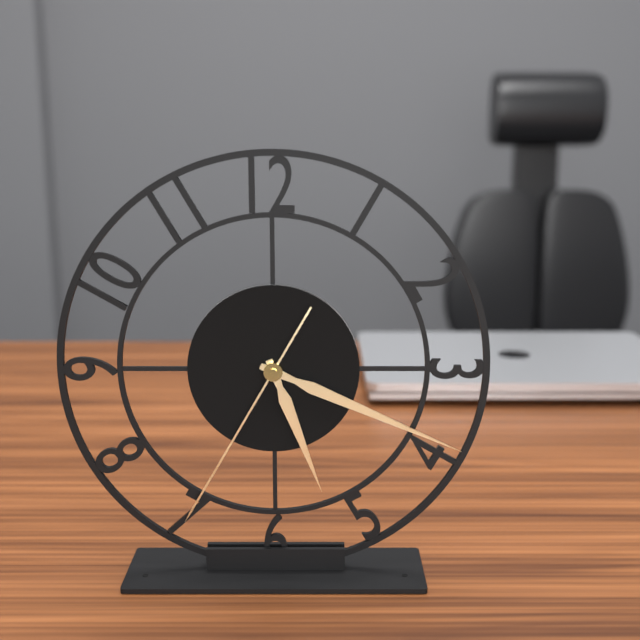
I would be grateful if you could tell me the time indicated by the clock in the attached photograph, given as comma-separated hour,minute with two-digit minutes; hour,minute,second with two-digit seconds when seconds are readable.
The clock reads 5,19,35
